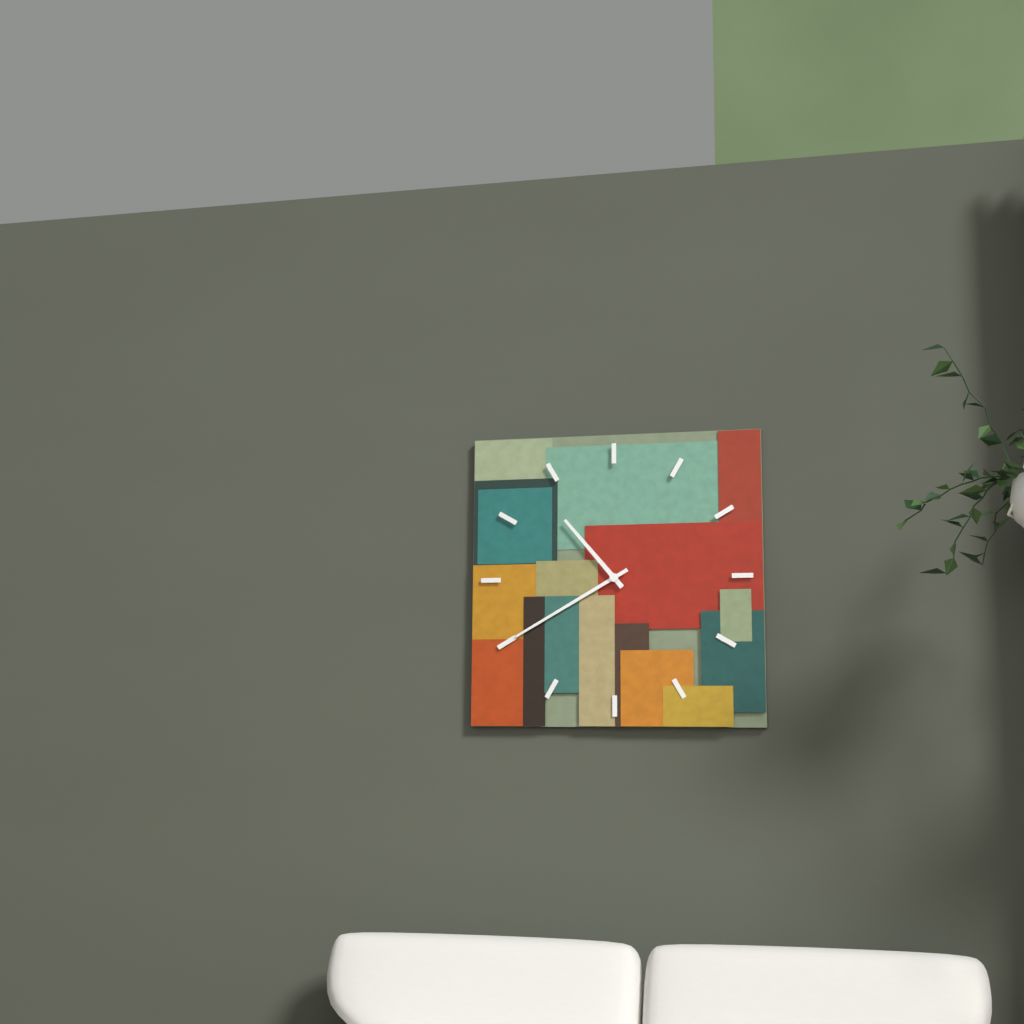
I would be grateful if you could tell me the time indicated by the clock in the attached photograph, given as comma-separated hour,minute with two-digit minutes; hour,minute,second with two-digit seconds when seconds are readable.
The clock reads 10,40
